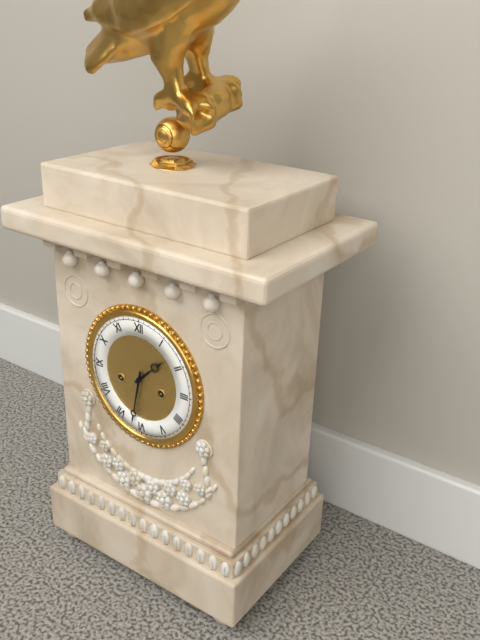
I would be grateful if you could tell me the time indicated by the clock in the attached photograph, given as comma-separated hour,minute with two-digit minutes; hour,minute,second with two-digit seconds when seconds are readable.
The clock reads 1,32
